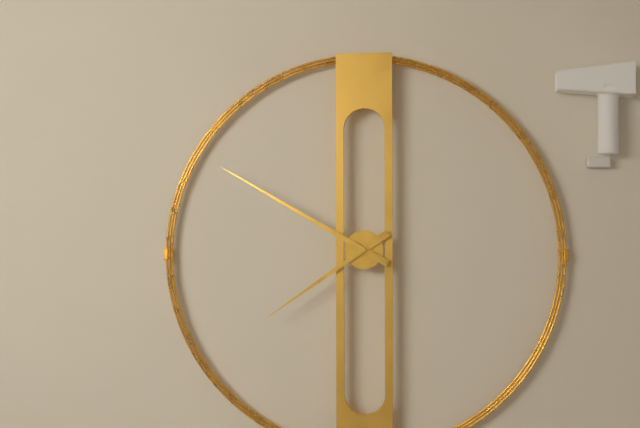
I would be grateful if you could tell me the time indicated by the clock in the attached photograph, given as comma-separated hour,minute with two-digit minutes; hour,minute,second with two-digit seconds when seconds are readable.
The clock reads 7,50
